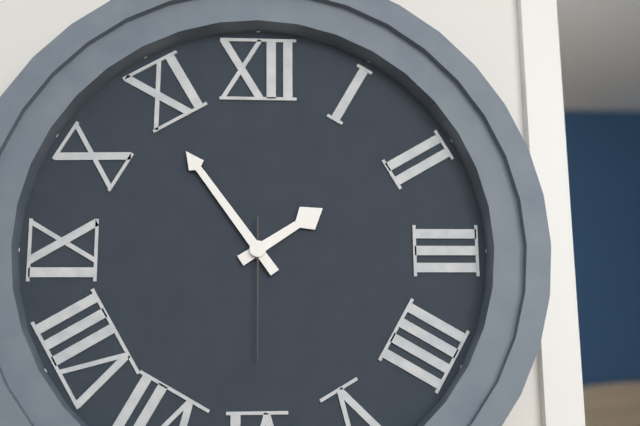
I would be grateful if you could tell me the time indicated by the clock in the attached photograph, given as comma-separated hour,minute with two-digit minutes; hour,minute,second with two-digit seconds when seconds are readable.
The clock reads 1,54,30
